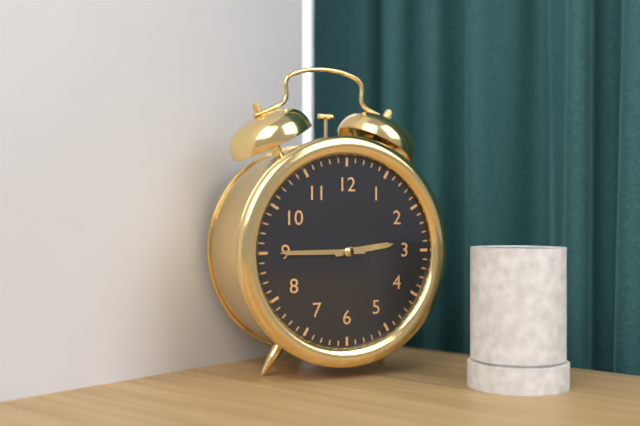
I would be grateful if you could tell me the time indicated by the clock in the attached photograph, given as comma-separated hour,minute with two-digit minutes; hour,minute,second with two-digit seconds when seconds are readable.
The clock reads 2,45
